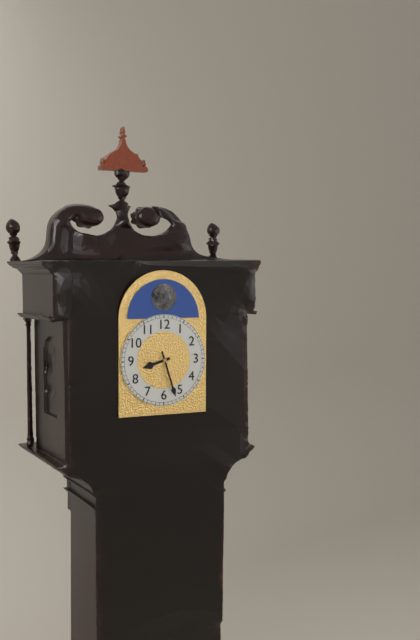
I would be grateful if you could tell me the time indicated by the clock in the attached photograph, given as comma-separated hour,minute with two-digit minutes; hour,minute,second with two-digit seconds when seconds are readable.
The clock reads 8,27
